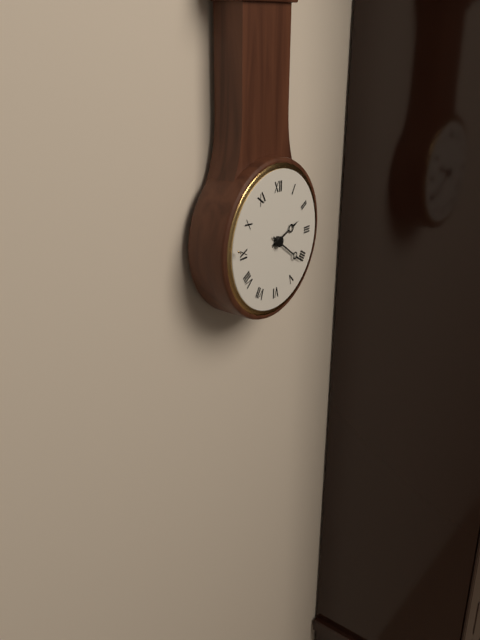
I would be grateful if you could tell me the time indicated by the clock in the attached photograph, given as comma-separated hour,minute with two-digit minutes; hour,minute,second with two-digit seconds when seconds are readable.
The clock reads 2,21
